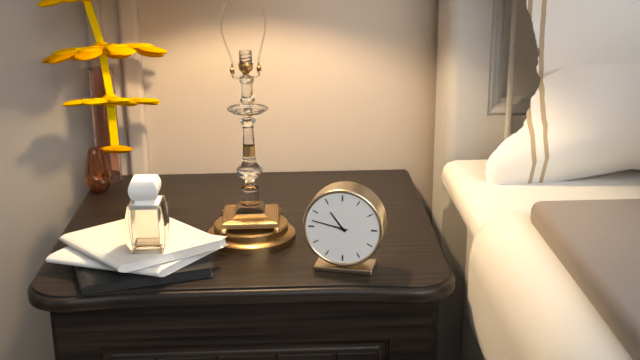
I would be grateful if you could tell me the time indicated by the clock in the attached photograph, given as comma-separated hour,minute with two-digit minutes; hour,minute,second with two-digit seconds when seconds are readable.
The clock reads 10,47
